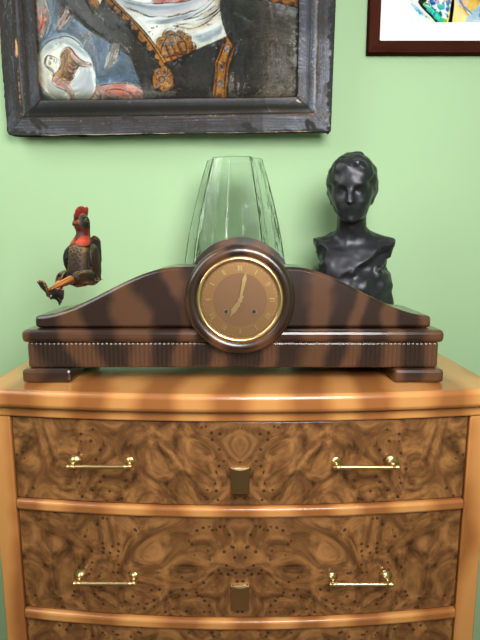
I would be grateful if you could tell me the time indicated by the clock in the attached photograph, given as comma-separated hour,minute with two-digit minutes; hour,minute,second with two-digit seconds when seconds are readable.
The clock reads 7,02
